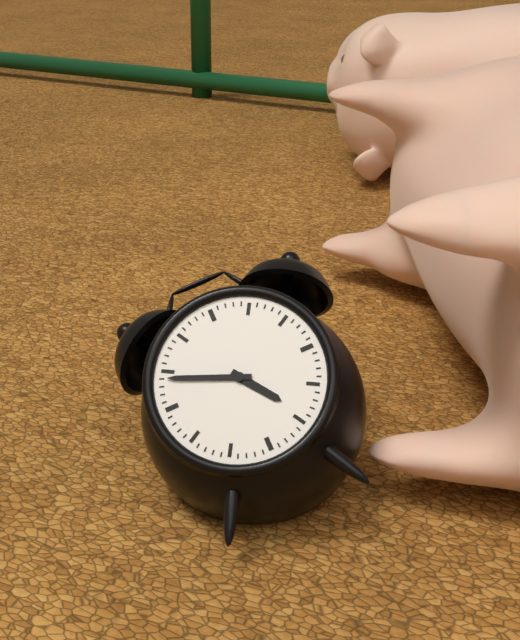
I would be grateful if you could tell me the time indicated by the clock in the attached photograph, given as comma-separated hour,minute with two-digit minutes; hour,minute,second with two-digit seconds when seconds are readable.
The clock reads 4,49
